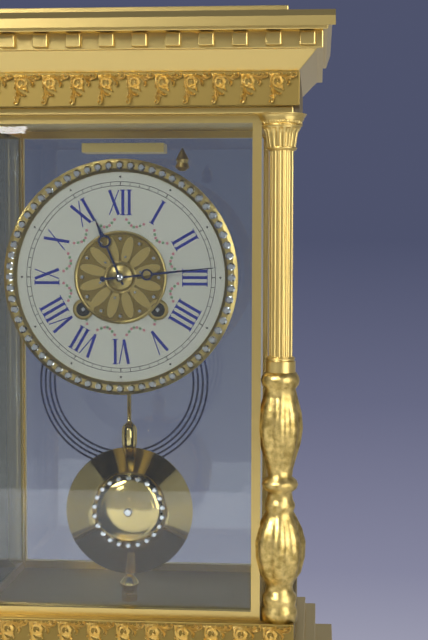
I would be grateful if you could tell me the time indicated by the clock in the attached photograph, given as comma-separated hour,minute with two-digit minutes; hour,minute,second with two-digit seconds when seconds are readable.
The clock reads 11,14
